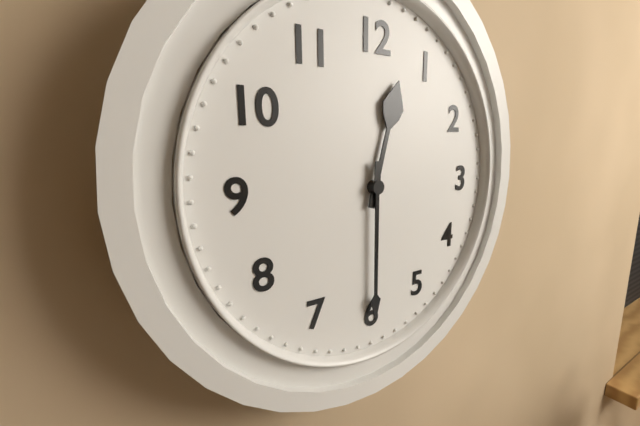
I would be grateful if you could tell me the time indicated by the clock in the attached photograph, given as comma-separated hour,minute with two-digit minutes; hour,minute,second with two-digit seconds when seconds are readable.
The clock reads 12,30
